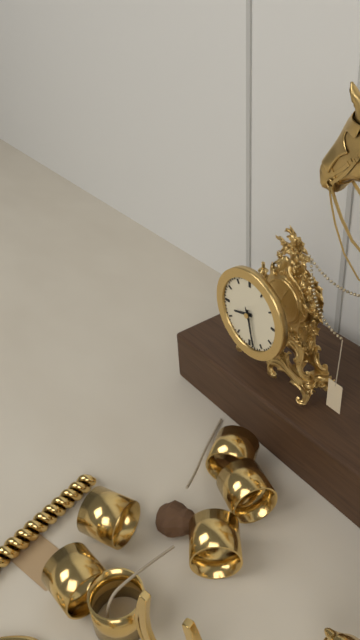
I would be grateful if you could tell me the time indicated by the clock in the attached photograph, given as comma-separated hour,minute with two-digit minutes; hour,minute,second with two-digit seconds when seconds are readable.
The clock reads 8,28
